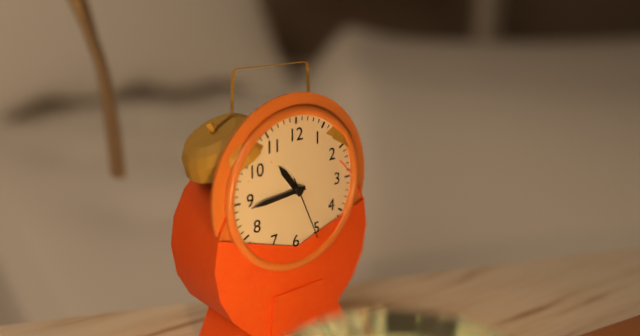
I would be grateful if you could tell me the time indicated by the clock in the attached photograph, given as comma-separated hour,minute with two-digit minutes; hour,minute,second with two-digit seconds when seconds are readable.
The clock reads 10,44,26
